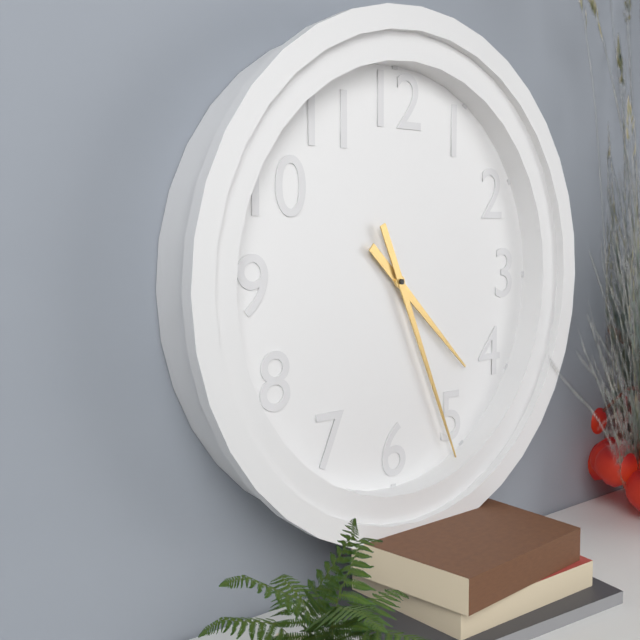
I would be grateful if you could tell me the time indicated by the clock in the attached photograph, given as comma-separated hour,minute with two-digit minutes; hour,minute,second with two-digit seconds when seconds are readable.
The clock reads 4,26
